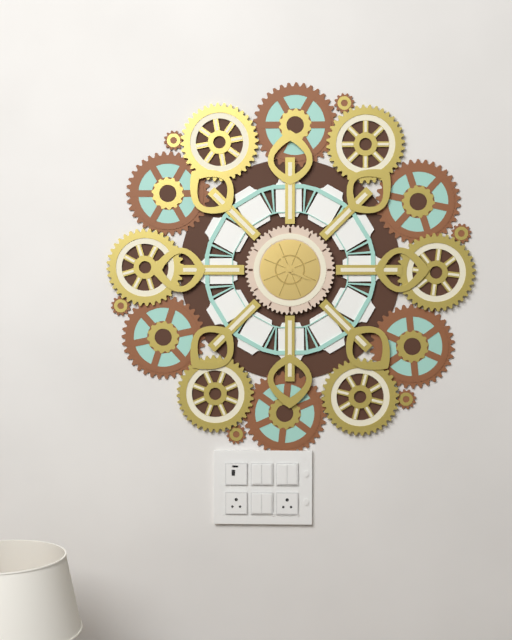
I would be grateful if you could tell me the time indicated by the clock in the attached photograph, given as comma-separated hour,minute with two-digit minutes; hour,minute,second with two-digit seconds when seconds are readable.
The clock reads 3,54
